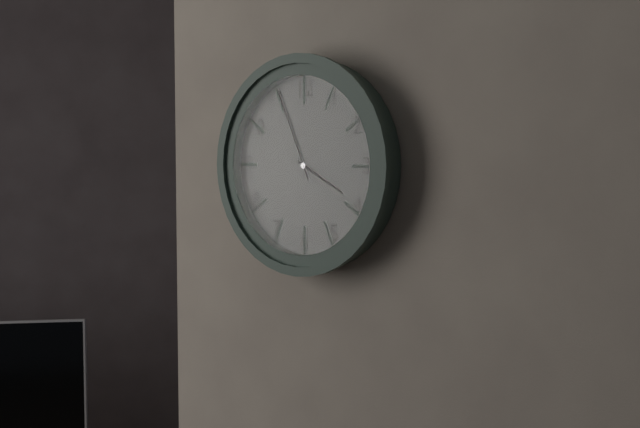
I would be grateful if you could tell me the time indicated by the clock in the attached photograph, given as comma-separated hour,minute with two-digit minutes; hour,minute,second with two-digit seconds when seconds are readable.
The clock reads 3,56
